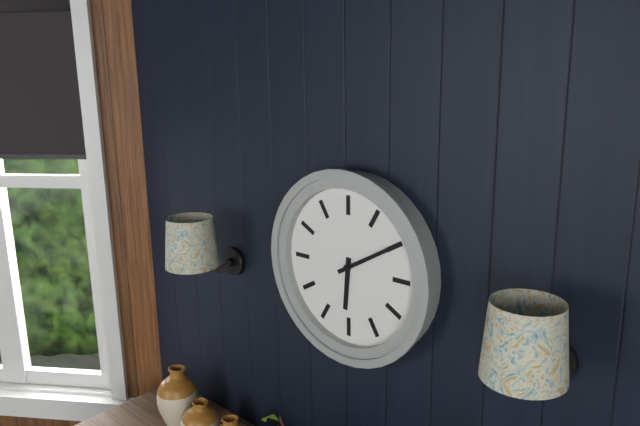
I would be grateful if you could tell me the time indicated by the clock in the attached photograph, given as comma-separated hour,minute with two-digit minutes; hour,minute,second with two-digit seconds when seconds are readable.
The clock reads 6,10
